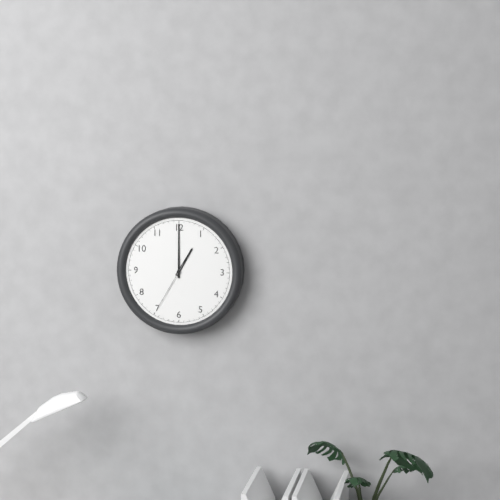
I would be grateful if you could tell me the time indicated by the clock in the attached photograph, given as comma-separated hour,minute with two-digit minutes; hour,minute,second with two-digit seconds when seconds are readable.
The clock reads 1,00,35
